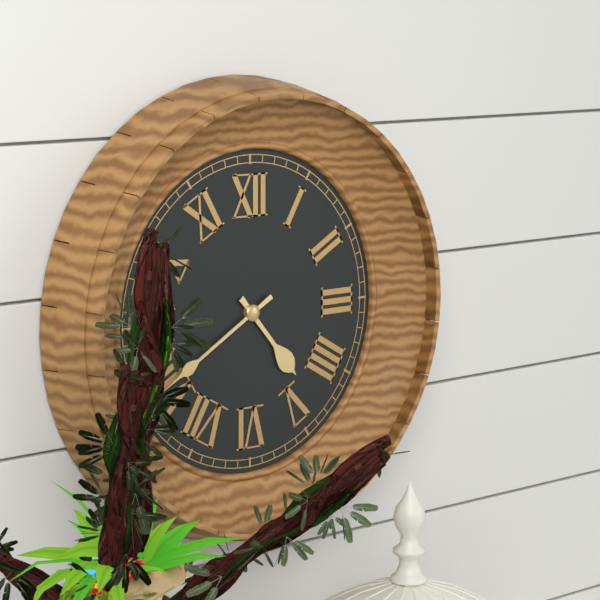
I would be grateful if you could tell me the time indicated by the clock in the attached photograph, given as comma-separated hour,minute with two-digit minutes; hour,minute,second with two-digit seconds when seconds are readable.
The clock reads 4,40
